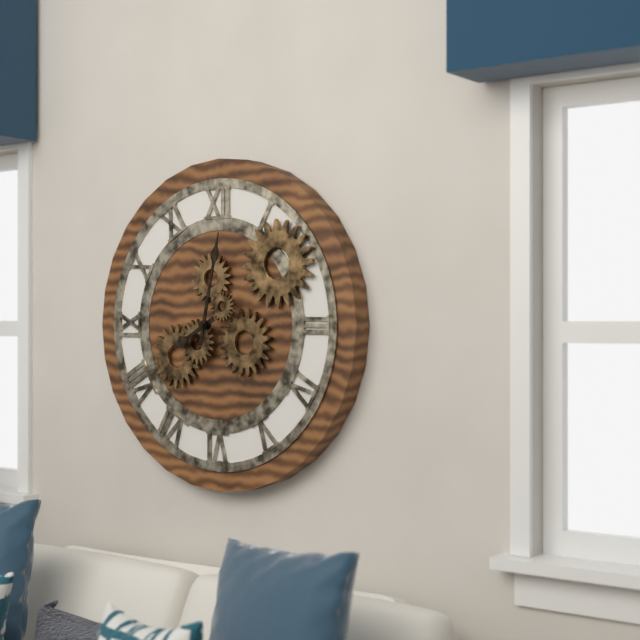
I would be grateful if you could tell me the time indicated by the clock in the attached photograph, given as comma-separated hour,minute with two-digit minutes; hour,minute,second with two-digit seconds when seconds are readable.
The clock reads 8,02
